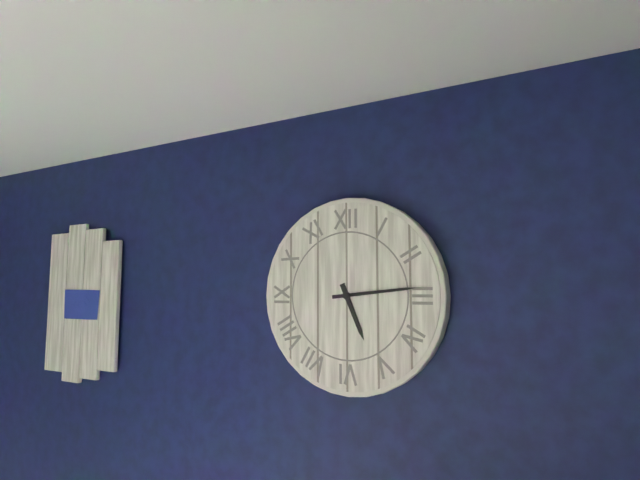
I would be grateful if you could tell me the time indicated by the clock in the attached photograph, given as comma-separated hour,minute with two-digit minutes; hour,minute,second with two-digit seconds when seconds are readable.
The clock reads 5,14
